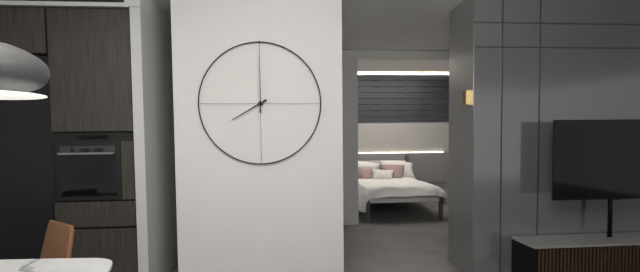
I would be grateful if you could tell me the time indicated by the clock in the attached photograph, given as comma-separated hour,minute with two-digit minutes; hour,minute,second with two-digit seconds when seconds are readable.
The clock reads 8,00
